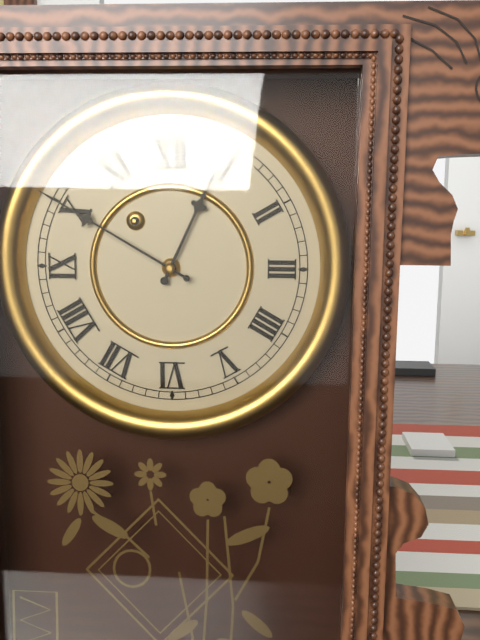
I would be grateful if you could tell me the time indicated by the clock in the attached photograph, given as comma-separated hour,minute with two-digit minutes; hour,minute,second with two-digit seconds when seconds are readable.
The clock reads 12,50
